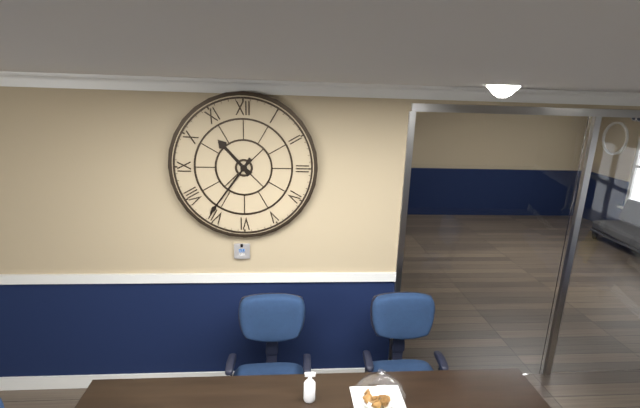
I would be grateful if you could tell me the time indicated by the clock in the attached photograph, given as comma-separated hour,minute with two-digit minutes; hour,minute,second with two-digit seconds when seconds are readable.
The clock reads 10,36
